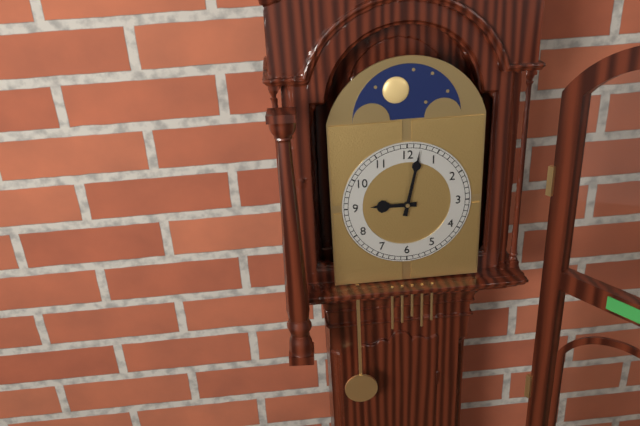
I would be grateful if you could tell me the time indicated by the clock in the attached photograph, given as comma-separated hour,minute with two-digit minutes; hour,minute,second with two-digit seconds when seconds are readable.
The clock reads 9,02
